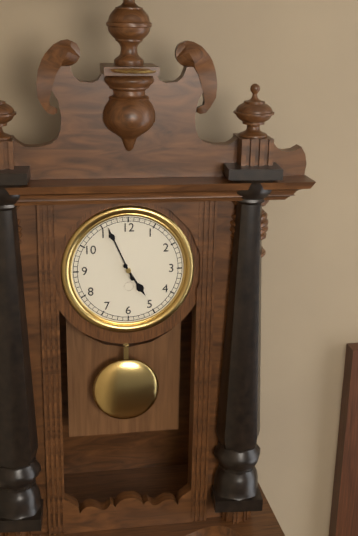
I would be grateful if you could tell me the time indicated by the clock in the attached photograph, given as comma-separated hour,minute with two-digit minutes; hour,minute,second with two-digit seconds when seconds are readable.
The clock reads 4,56
